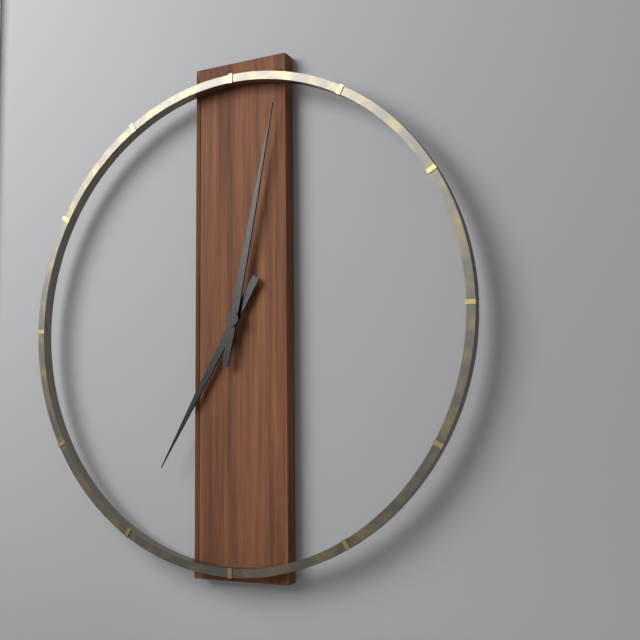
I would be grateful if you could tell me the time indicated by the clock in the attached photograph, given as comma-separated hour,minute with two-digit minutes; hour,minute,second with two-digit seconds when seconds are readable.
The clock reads 7,02
